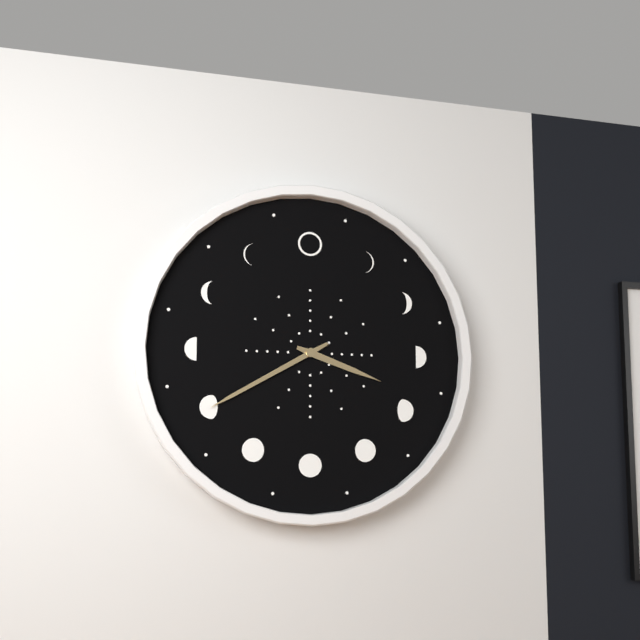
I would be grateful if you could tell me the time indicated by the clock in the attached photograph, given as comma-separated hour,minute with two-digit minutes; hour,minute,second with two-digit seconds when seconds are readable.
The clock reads 3,40
